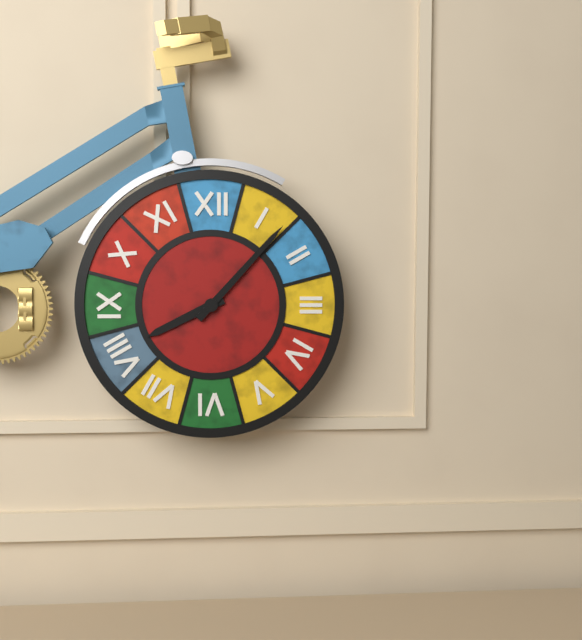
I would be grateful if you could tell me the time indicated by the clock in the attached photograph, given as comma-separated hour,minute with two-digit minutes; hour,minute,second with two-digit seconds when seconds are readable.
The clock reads 8,07
